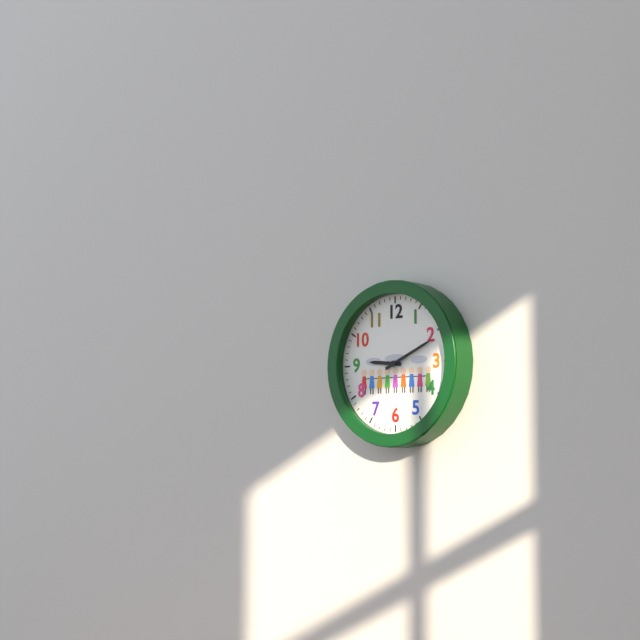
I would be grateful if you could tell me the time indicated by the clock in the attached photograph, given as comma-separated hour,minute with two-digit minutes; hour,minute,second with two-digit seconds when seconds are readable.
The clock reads 9,11
